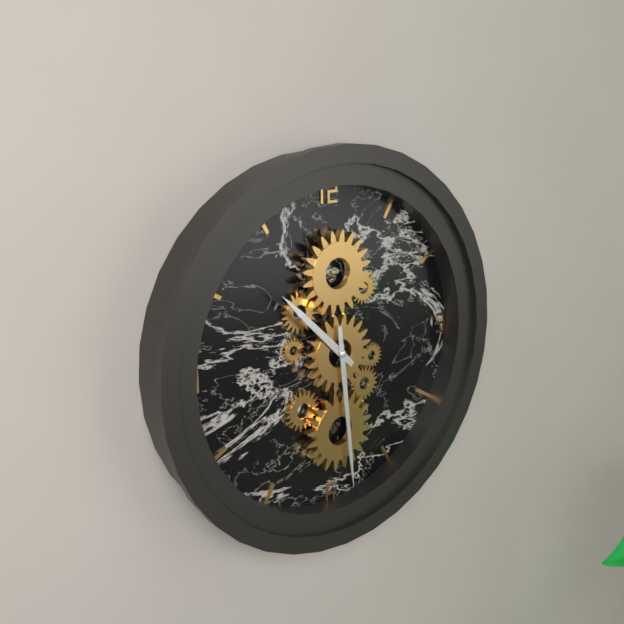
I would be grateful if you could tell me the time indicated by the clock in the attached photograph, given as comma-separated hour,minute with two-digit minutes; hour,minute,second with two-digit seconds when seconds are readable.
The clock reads 10,29
